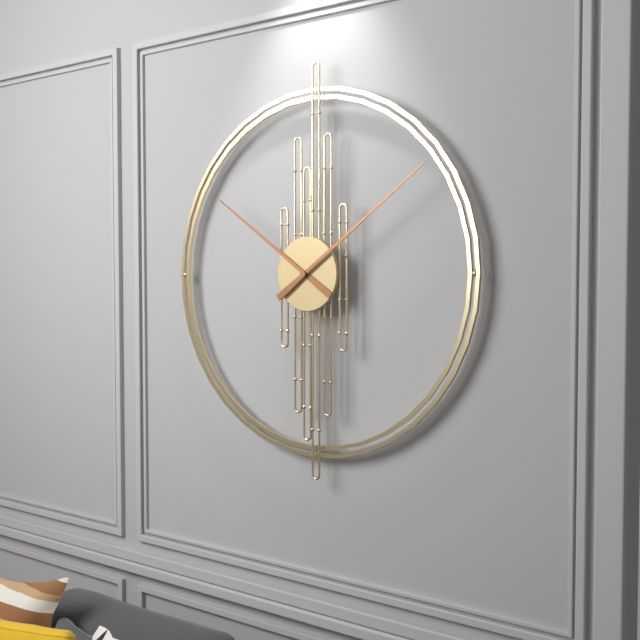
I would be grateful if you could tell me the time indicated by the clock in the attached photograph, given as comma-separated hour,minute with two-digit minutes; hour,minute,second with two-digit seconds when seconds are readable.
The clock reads 10,09
